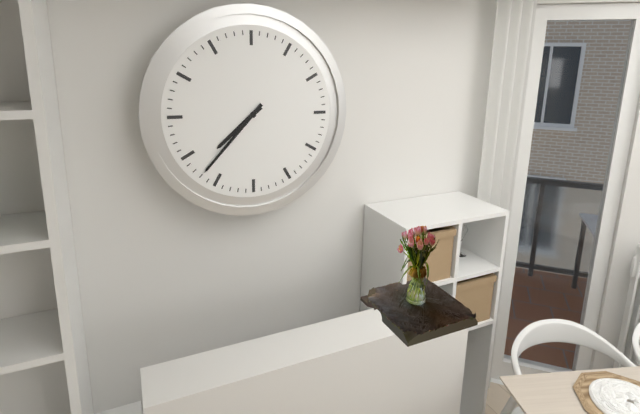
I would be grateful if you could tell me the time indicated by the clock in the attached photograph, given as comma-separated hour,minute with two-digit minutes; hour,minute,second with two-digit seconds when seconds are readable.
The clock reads 7,37
